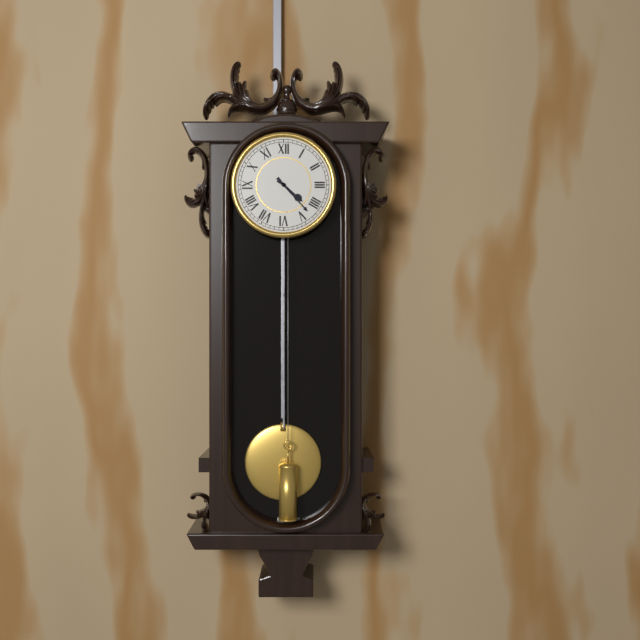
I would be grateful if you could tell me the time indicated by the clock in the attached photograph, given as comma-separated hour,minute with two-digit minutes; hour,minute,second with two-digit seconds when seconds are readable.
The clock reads 4,23
